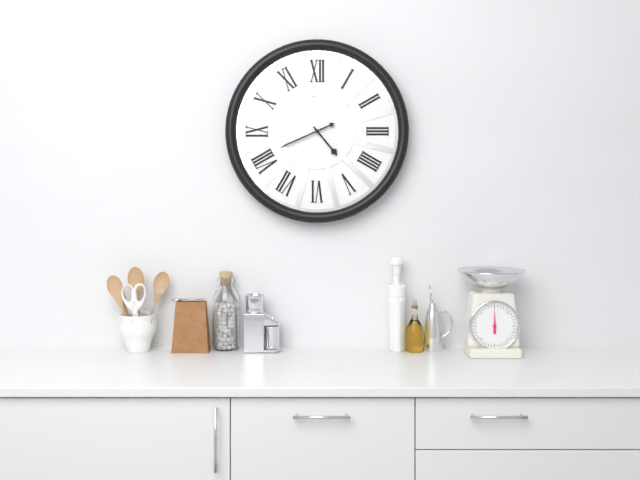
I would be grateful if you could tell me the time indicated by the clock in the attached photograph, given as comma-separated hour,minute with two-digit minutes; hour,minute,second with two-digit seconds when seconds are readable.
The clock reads 4,41
